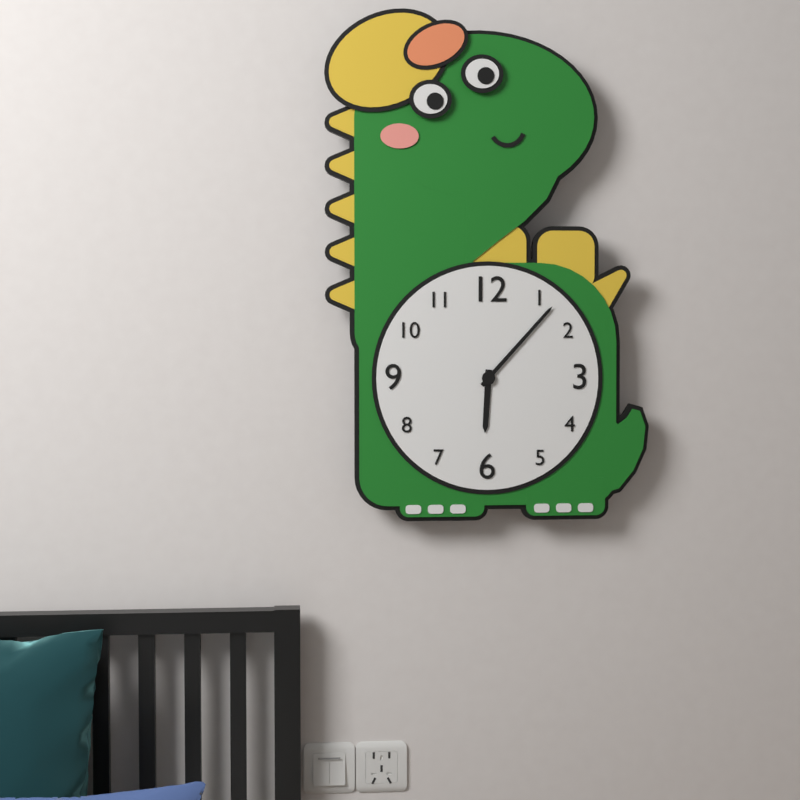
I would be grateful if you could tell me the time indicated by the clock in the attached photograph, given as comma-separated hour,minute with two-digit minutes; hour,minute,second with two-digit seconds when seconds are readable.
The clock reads 6,07
